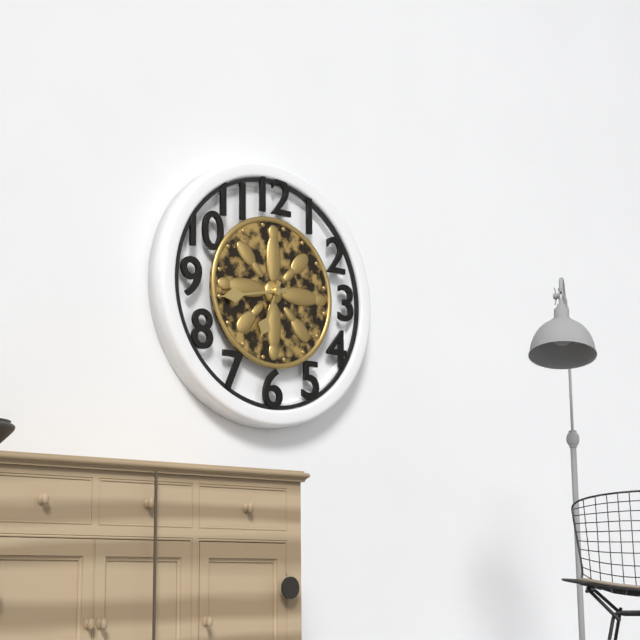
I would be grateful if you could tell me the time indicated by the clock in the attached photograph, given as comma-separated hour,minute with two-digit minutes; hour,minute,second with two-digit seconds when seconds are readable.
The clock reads 6,43
